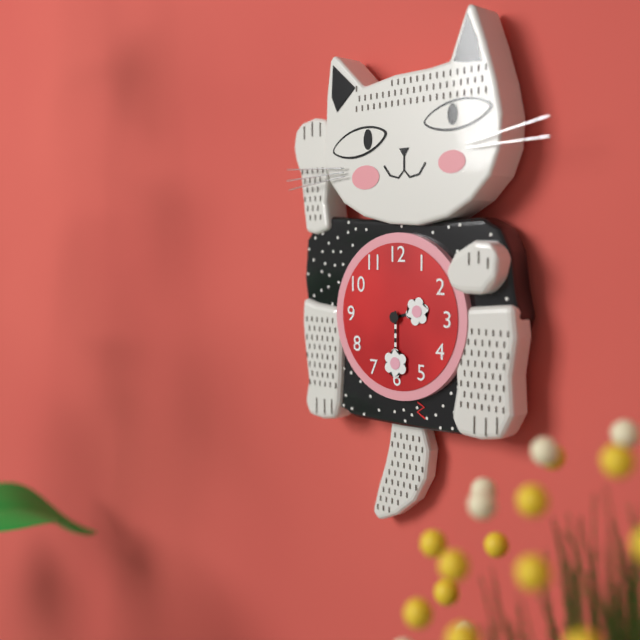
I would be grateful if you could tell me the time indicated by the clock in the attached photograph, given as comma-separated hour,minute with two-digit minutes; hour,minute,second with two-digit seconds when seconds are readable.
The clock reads 2,30
